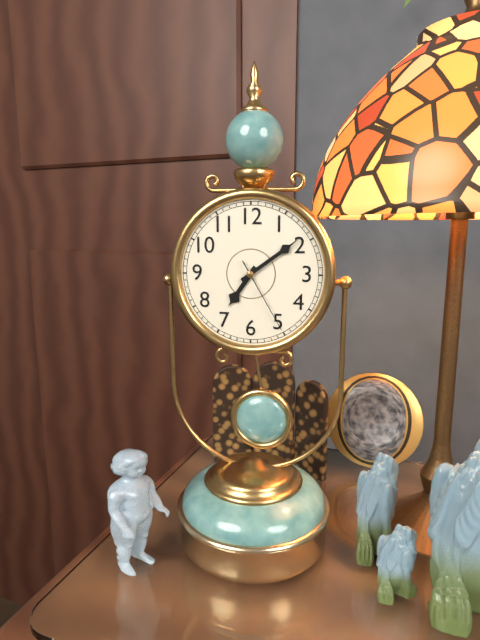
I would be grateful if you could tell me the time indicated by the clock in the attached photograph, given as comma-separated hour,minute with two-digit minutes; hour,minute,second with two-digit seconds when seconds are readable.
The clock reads 7,09,25
